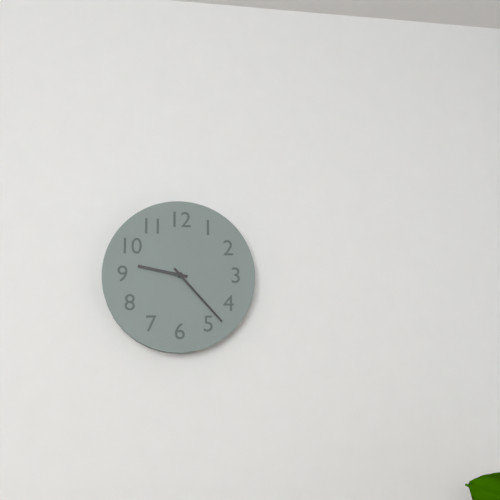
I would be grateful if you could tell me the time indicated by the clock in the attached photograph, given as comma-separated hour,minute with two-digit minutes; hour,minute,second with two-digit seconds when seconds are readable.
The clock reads 9,23
